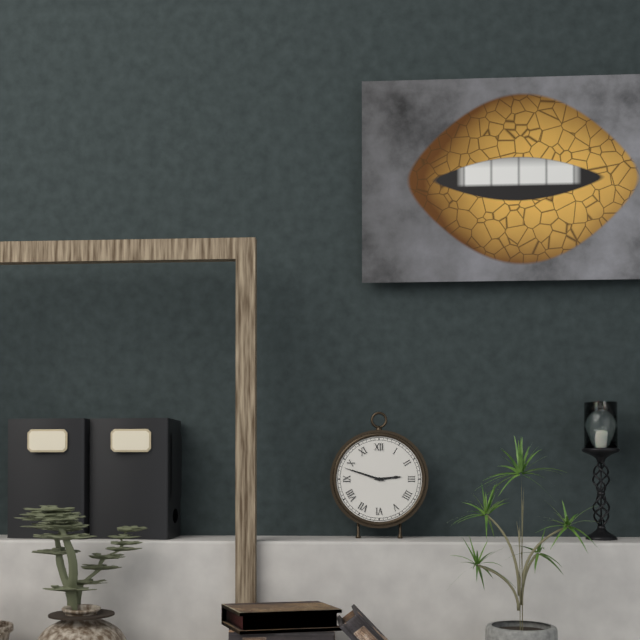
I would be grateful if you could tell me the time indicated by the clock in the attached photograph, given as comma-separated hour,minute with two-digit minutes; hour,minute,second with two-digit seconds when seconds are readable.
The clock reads 2,48
